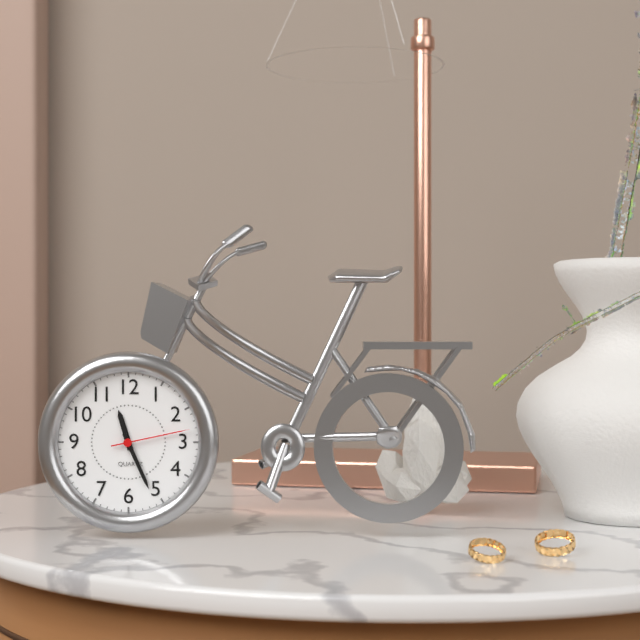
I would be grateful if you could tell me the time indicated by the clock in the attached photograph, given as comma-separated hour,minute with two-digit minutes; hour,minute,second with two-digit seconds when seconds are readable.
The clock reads 11,26,13
